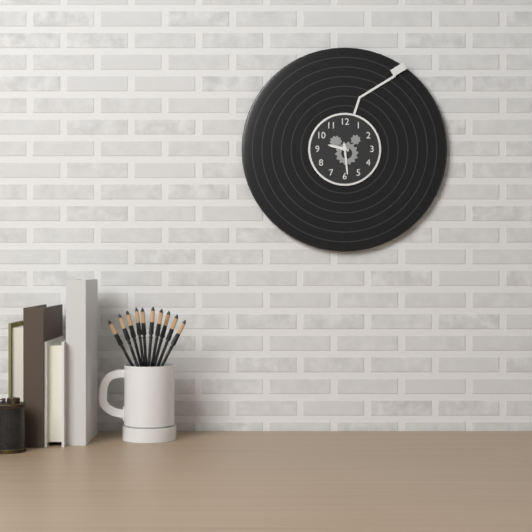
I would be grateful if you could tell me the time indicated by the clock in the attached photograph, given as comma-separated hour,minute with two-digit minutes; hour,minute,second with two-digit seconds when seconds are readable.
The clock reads 9,29
